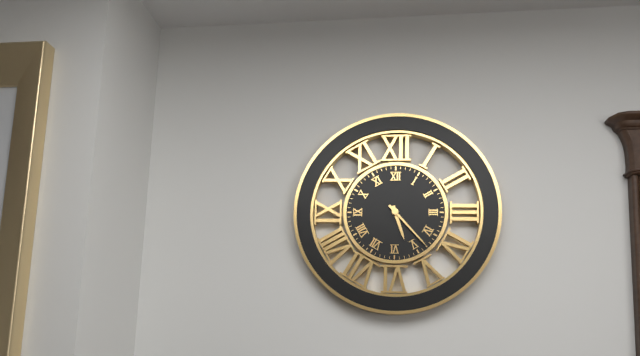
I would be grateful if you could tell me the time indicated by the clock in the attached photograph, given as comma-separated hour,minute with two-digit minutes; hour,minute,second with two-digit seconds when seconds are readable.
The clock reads 5,23
